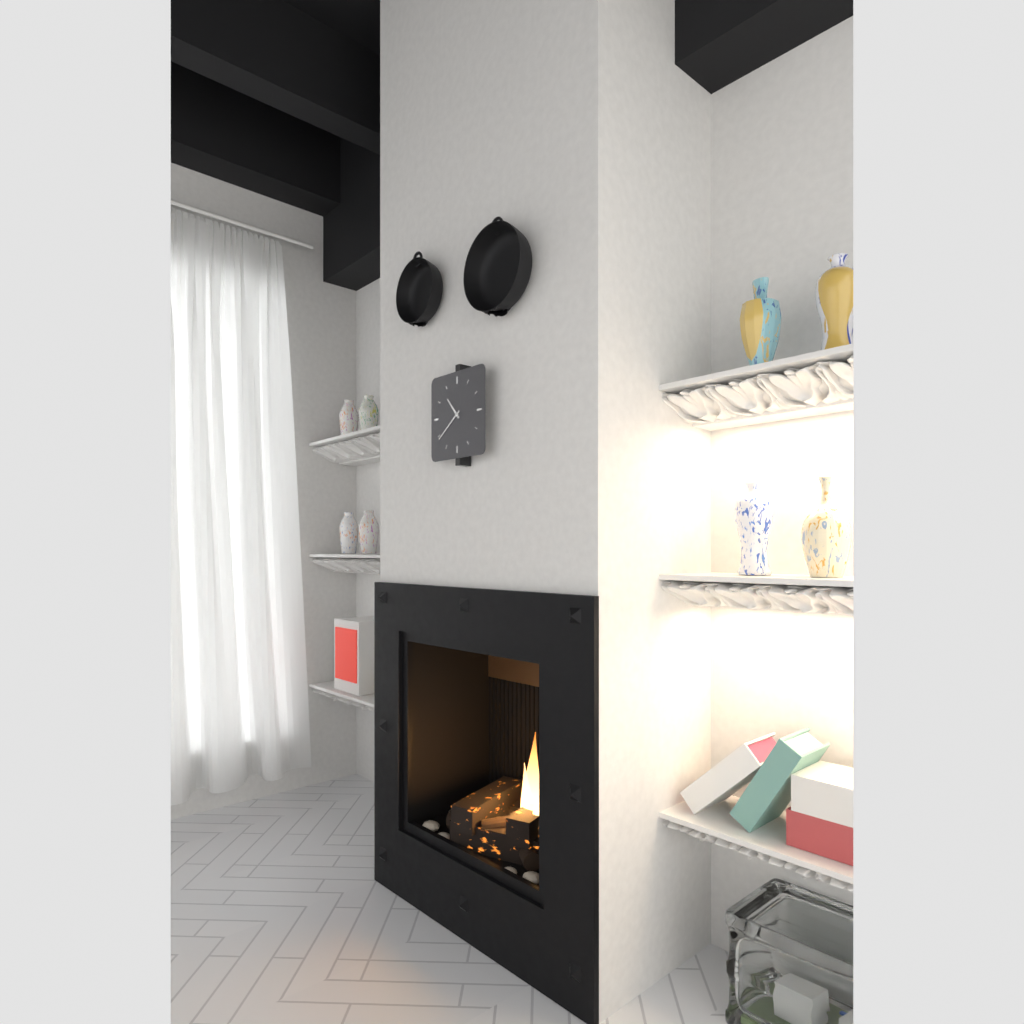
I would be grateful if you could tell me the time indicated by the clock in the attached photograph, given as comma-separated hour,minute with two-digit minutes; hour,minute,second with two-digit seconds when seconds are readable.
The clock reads 10,39
